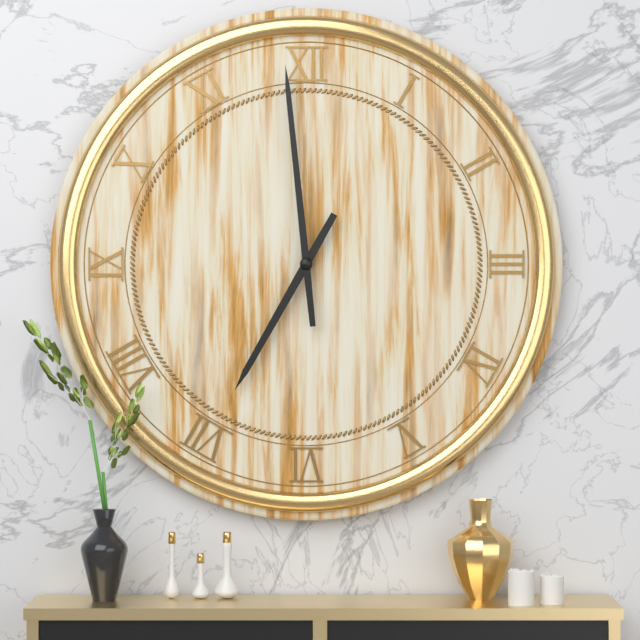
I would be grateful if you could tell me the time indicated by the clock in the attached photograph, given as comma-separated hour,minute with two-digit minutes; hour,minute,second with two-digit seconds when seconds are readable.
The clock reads 6,59
